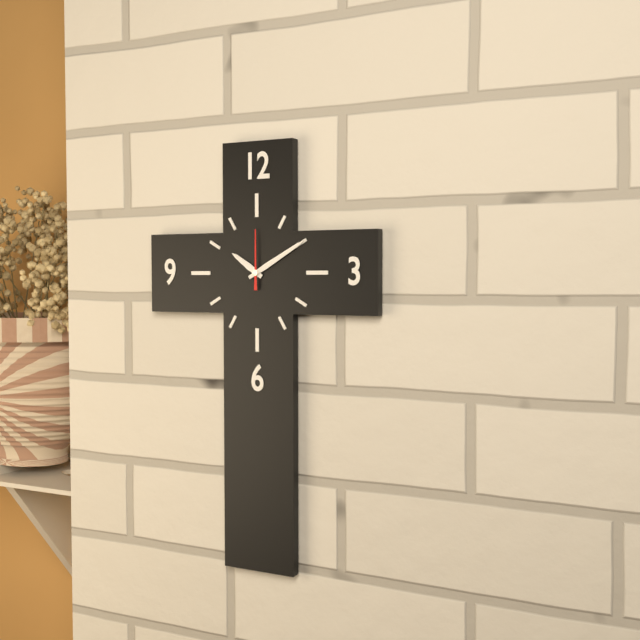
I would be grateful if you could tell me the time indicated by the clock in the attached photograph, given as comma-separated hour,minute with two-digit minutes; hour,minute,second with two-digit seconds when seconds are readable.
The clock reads 10,10,00
